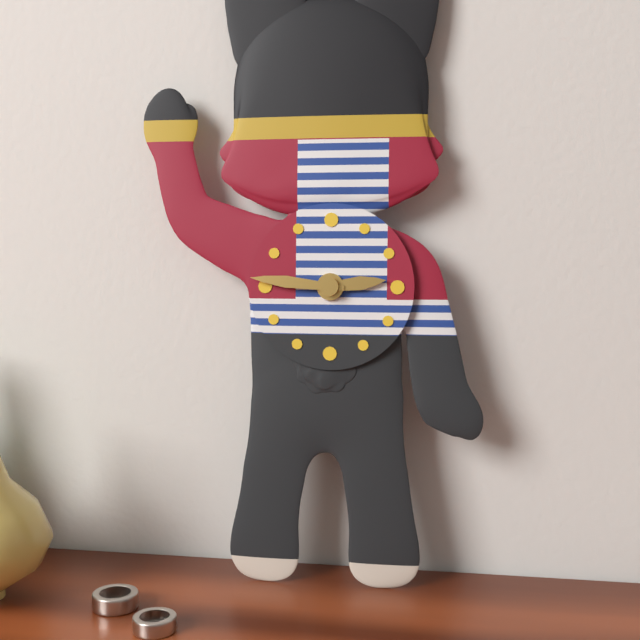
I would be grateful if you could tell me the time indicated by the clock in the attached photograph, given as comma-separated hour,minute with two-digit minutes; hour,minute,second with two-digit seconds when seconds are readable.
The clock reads 2,46
